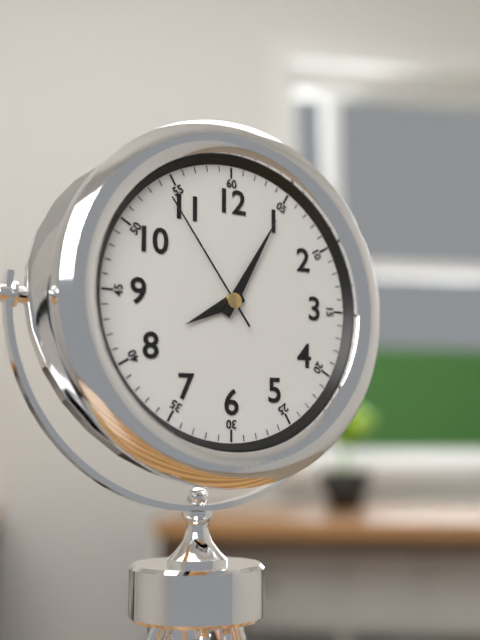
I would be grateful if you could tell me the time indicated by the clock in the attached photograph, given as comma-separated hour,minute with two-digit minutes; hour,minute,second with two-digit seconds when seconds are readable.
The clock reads 8,05,54
